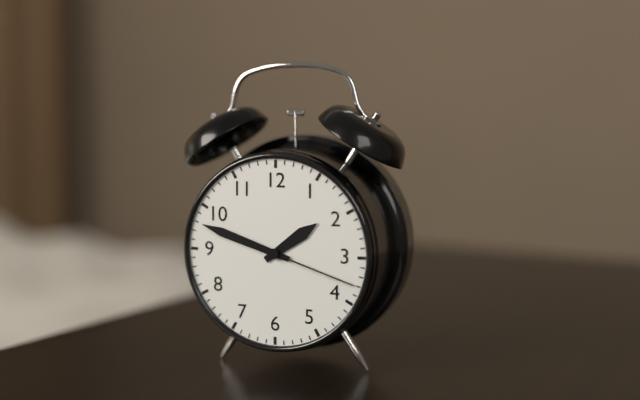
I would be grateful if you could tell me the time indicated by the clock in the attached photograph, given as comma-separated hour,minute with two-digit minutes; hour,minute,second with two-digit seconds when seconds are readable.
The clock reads 1,48,18
